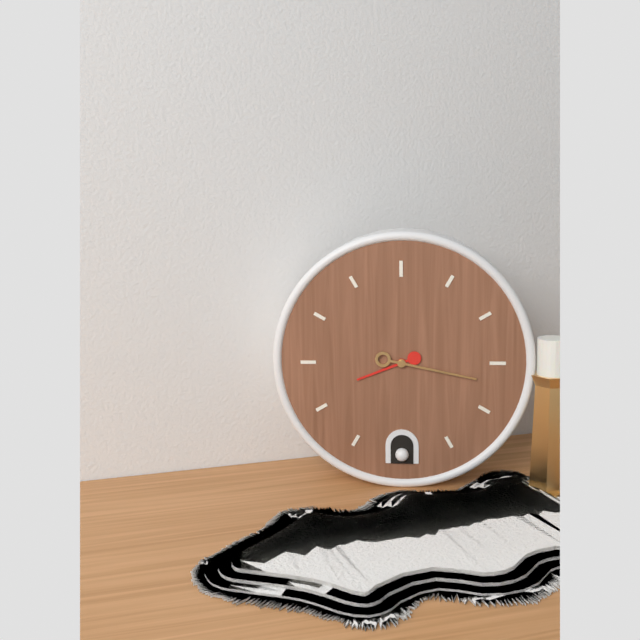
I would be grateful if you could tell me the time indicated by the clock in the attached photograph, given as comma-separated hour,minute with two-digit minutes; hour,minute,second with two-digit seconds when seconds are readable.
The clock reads 8,17
